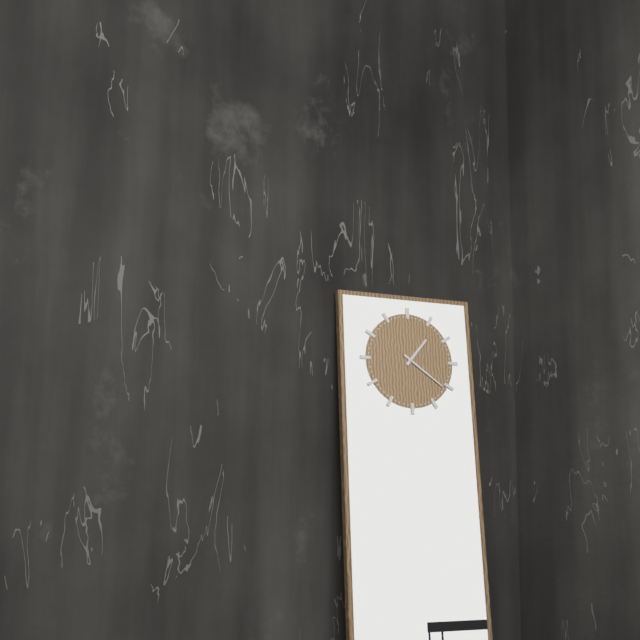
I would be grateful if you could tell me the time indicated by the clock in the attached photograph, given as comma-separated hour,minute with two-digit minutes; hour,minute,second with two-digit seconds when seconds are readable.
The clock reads 1,21
